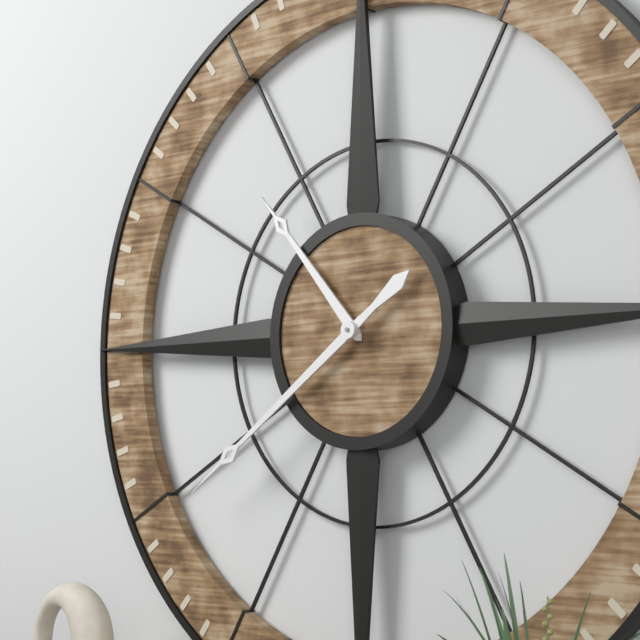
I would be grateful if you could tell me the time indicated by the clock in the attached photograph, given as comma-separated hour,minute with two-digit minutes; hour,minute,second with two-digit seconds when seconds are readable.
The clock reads 10,39
